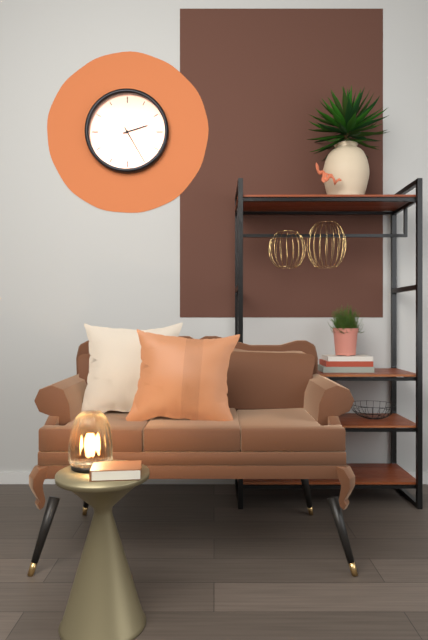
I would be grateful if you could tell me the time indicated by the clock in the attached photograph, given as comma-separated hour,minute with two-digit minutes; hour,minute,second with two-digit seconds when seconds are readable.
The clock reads 2,25
